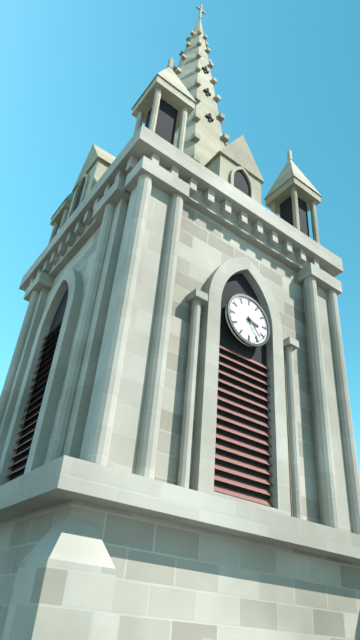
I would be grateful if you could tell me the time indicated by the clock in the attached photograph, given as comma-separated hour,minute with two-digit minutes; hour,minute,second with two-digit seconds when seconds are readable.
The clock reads 3,23
